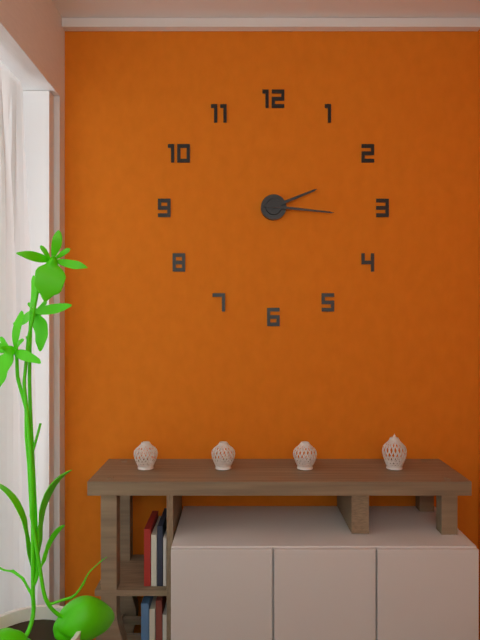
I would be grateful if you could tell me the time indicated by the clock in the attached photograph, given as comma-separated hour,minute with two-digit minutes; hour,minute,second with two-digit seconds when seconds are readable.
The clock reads 2,16
